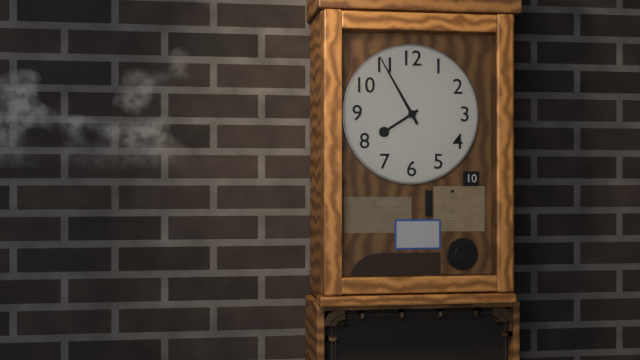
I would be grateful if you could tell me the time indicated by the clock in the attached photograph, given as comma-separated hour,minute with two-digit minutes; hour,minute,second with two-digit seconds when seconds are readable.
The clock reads 7,55
